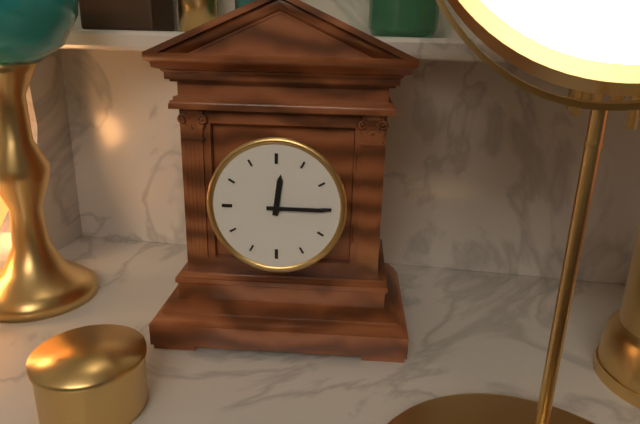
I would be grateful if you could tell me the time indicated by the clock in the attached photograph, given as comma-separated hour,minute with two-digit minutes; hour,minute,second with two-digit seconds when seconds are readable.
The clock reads 12,15
